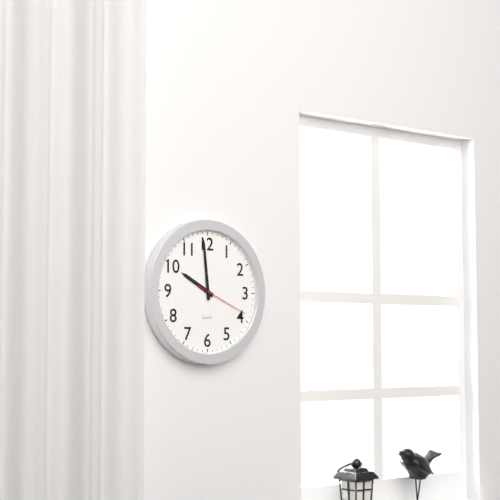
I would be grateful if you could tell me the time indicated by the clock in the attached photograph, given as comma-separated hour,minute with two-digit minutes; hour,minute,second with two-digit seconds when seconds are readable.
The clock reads 9,59,19
